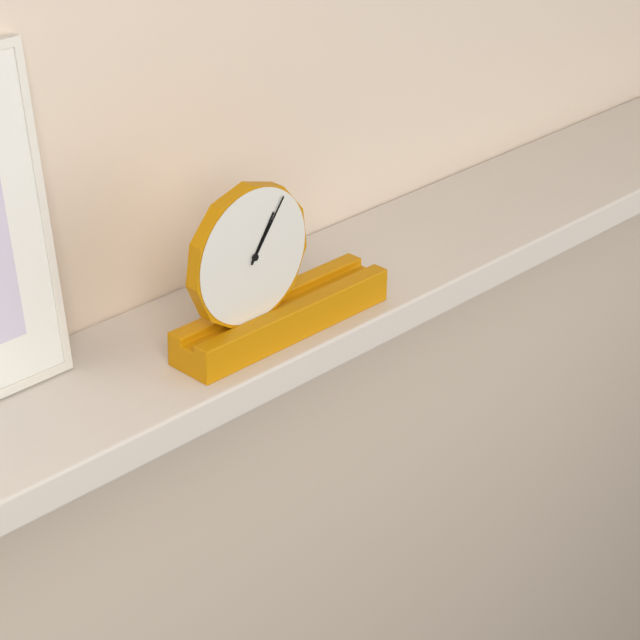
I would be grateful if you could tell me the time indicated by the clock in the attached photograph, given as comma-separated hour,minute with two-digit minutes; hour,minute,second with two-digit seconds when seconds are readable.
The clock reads 1,06
